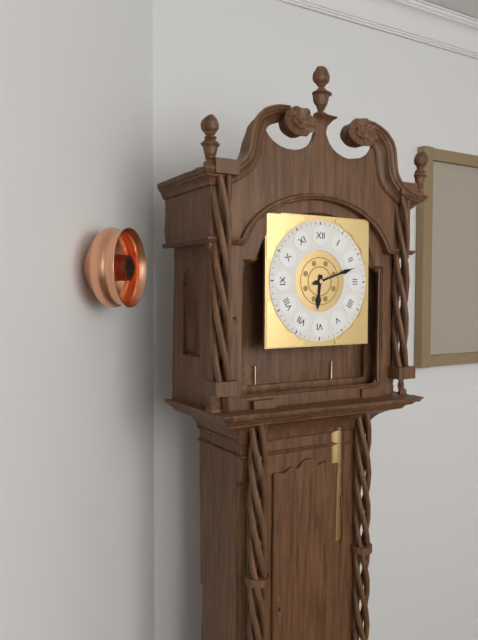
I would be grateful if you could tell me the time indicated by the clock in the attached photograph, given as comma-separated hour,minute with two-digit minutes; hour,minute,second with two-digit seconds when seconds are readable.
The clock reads 6,12
